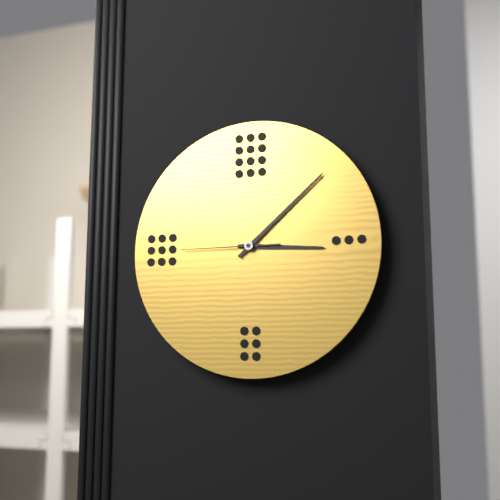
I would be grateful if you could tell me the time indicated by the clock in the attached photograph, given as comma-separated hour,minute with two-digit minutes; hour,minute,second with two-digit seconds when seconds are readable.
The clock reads 3,08,45
